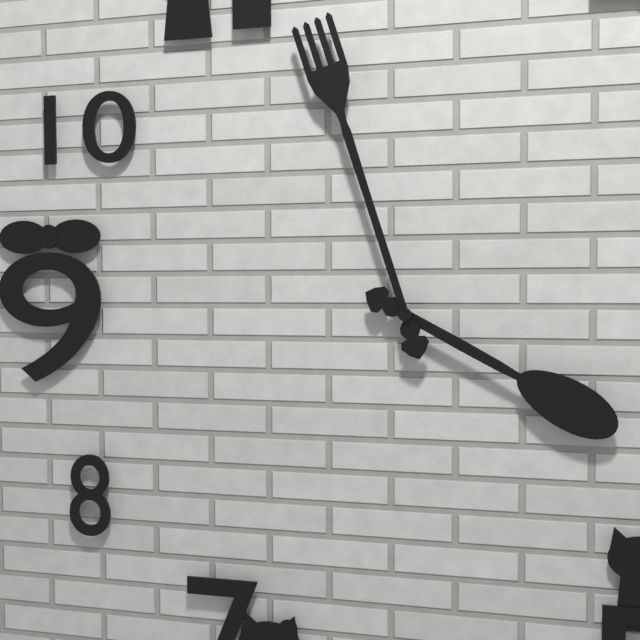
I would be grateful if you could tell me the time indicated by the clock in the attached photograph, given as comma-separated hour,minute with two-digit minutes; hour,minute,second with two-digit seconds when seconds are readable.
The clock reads 3,57
